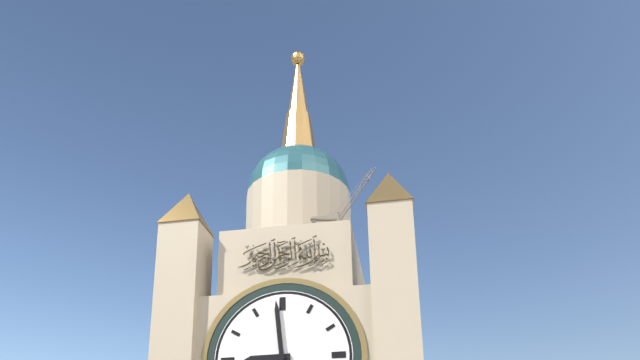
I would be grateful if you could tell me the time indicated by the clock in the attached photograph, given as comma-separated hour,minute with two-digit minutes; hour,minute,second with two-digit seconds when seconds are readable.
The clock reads 8,59
